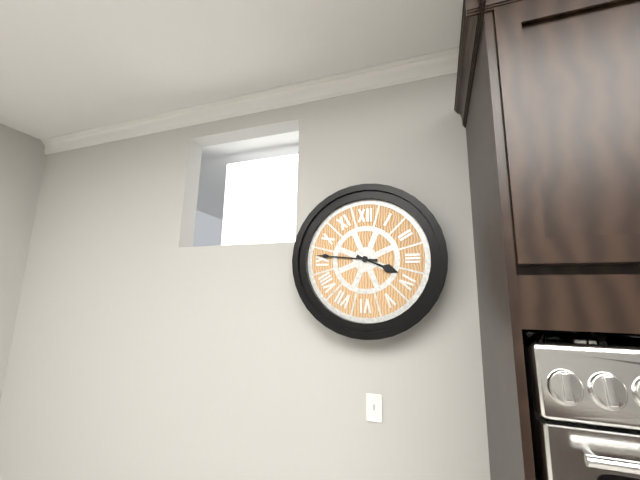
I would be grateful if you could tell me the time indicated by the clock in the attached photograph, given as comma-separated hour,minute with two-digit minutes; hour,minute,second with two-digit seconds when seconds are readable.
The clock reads 3,46
